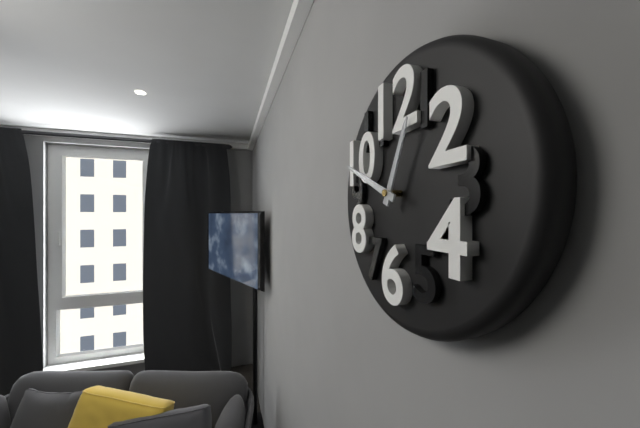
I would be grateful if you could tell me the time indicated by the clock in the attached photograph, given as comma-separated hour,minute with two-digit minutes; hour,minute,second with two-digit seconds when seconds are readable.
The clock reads 12,49
